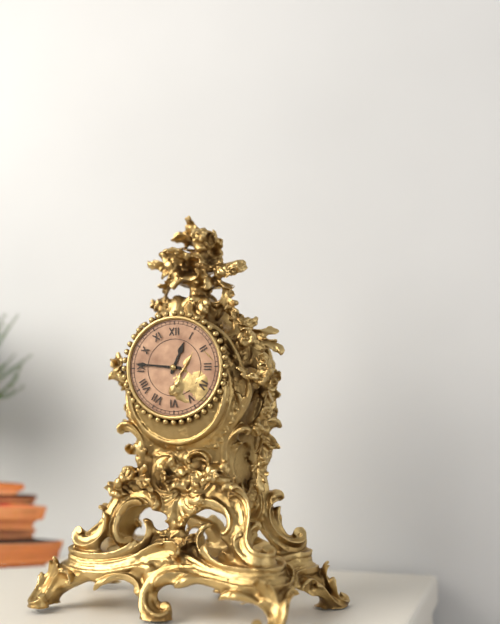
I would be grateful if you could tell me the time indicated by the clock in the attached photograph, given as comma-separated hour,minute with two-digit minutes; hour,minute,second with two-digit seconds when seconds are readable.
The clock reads 12,46
